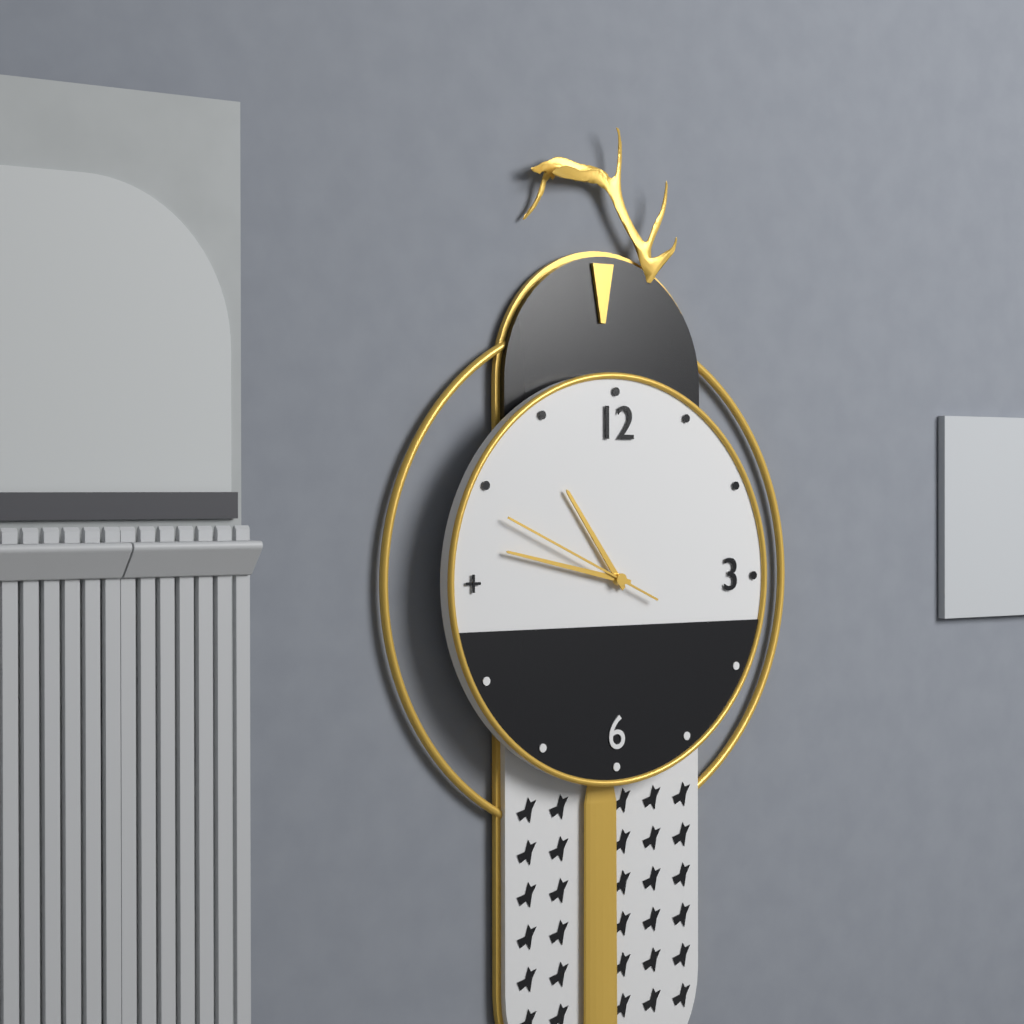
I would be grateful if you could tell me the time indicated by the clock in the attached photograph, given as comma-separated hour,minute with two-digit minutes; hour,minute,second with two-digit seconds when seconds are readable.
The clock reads 10,47,49
